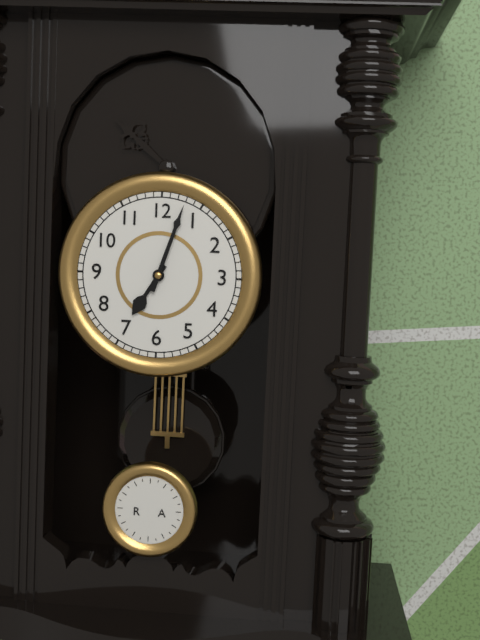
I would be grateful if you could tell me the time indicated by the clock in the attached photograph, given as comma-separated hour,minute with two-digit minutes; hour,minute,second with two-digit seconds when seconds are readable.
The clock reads 7,03
